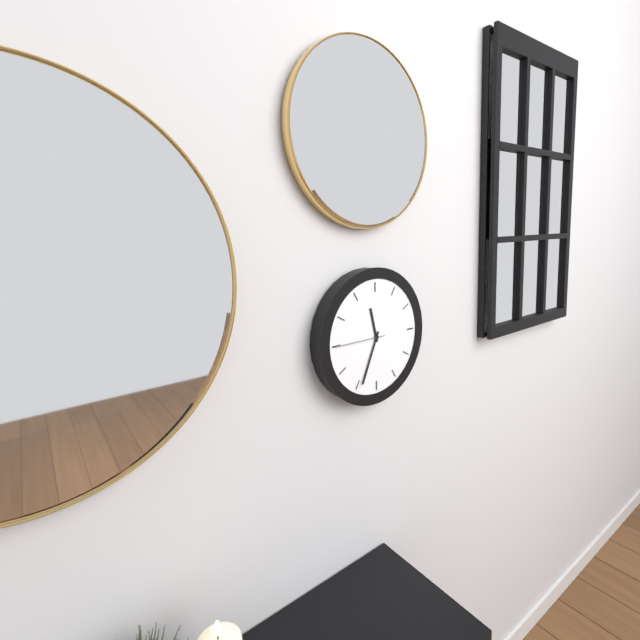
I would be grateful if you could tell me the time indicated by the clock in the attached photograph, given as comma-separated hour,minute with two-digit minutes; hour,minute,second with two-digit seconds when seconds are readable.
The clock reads 11,34
